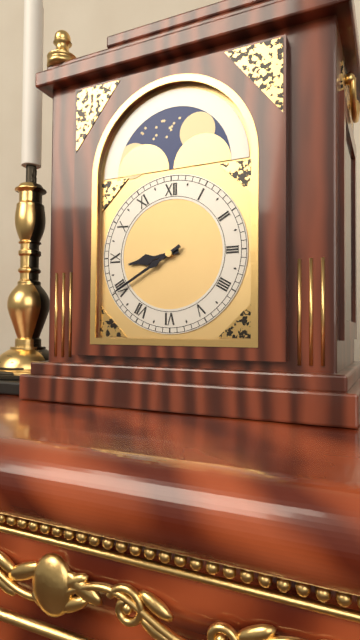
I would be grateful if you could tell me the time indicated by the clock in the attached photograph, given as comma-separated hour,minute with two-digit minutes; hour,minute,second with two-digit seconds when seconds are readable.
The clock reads 8,40
